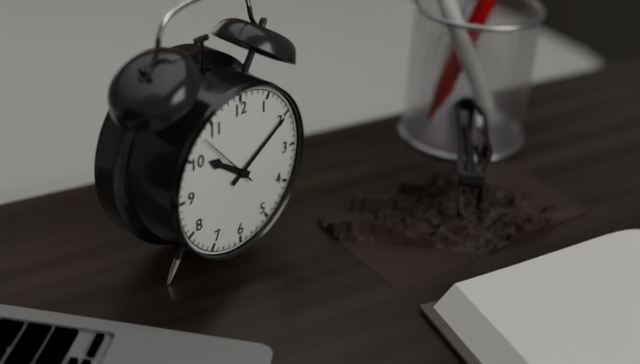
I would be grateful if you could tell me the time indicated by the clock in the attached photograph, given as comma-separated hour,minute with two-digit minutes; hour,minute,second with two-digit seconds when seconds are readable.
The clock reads 10,10,53
